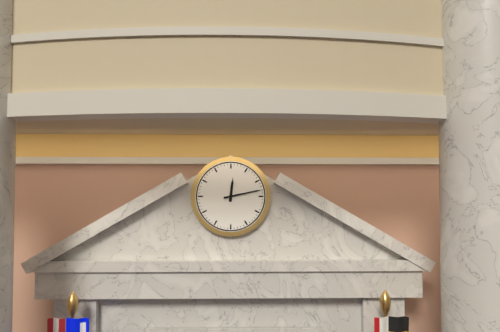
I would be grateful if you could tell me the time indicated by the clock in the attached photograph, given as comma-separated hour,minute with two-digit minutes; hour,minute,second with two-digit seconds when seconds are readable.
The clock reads 12,13
